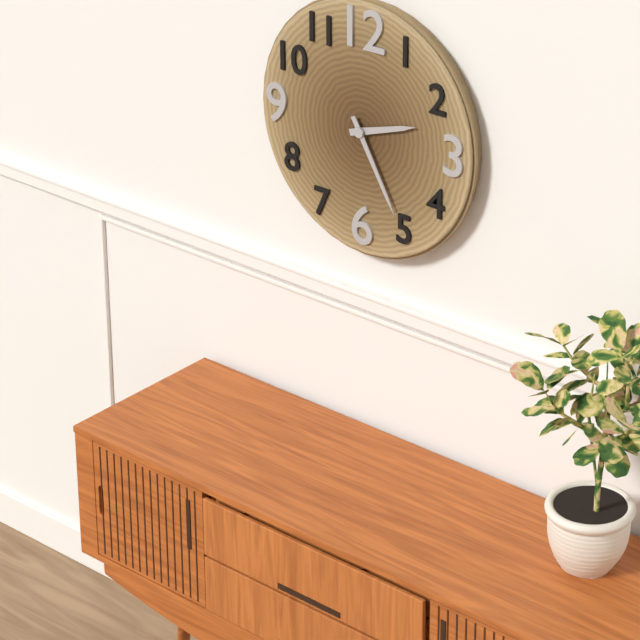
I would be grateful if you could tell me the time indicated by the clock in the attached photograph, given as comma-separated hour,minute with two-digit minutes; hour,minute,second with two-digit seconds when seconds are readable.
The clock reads 2,25
